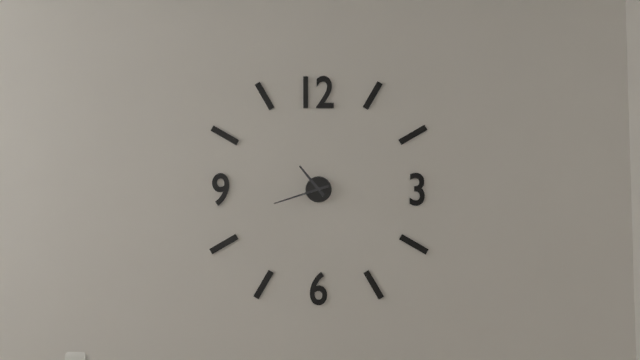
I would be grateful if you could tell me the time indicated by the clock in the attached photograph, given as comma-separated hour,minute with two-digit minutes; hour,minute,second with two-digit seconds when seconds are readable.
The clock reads 10,42
